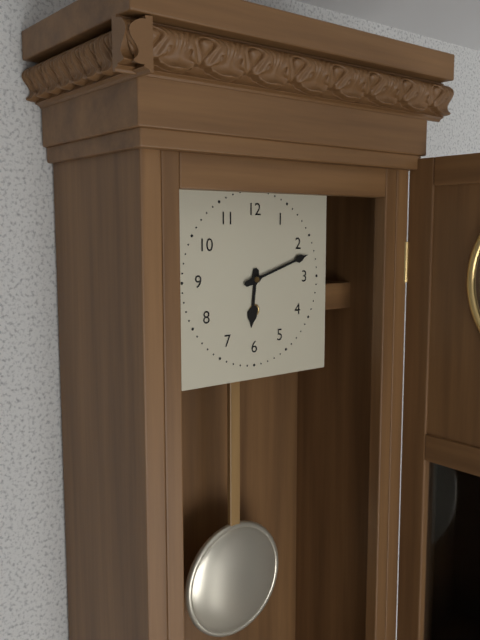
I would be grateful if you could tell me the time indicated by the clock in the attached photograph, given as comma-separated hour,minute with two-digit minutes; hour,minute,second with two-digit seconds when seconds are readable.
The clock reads 6,12
